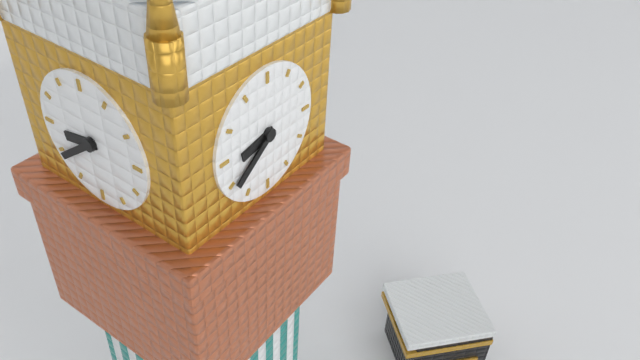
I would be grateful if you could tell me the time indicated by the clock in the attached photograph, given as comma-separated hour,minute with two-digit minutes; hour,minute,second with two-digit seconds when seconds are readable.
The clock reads 8,39
